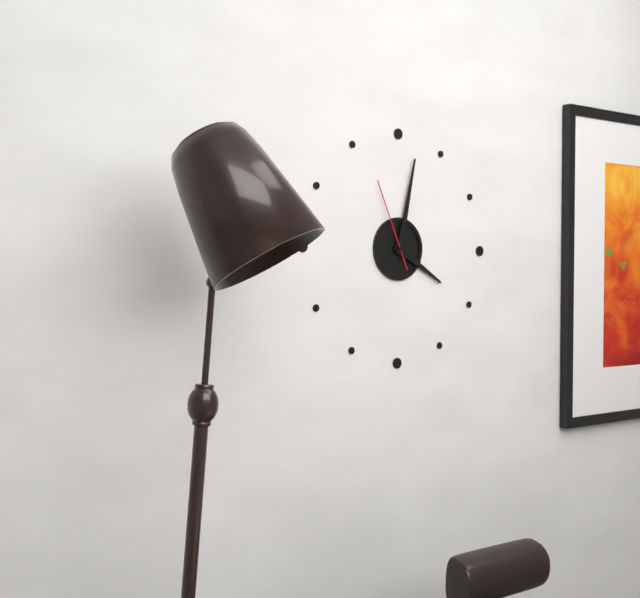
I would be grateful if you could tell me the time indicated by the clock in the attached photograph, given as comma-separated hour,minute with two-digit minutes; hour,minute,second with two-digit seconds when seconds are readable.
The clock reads 4,02,56
